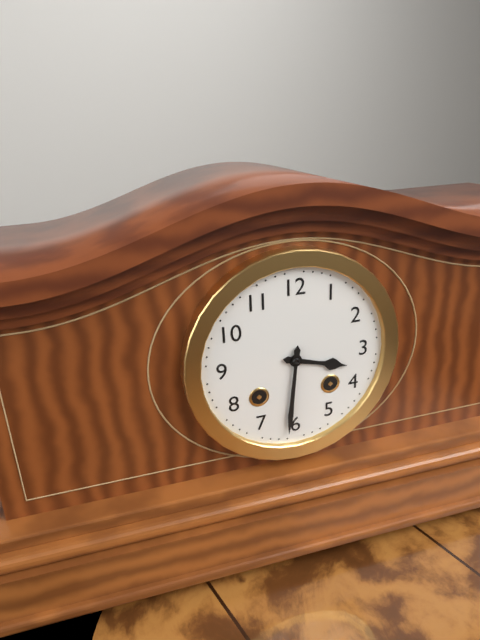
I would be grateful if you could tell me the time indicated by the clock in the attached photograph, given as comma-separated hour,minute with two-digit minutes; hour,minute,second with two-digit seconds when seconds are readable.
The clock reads 3,31
